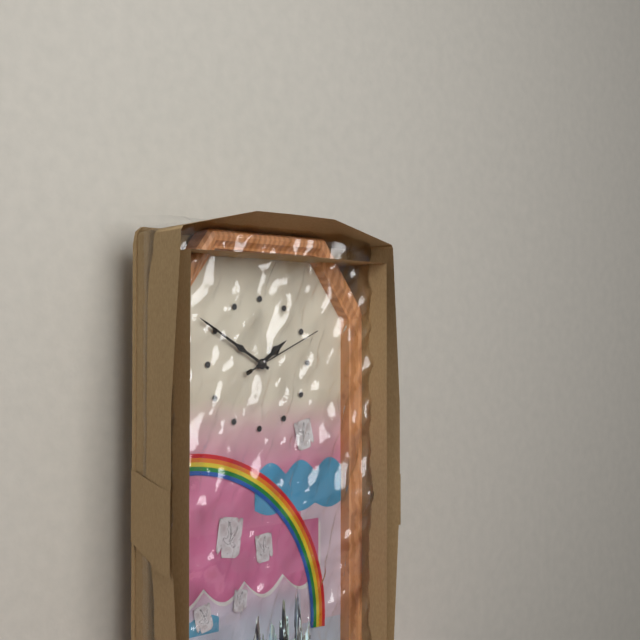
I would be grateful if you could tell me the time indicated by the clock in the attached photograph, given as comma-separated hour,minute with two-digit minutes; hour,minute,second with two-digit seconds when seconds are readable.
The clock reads 1,50,11
